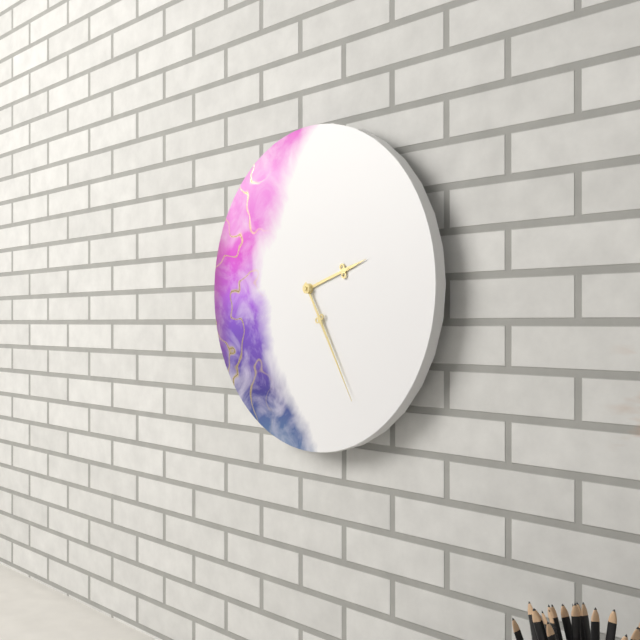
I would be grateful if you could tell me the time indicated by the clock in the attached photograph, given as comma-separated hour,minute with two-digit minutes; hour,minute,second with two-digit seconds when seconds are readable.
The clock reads 2,25
